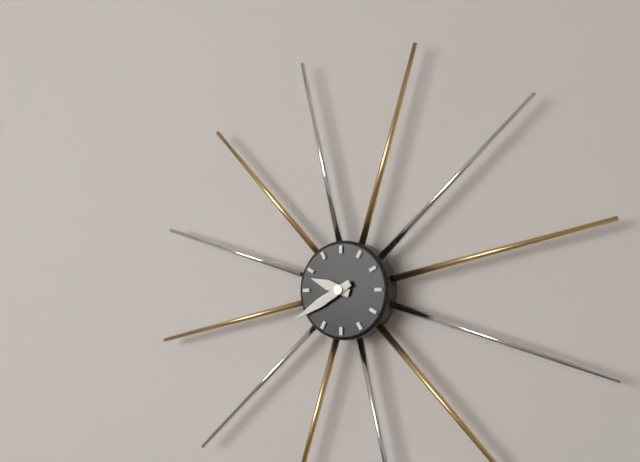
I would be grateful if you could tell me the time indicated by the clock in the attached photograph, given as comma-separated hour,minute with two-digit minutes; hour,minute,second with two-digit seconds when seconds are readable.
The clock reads 9,40
